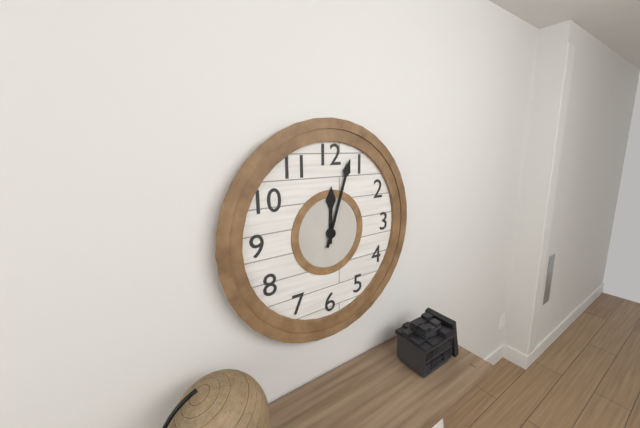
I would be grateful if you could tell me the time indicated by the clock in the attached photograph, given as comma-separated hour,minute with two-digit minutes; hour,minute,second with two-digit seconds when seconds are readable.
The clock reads 12,03
